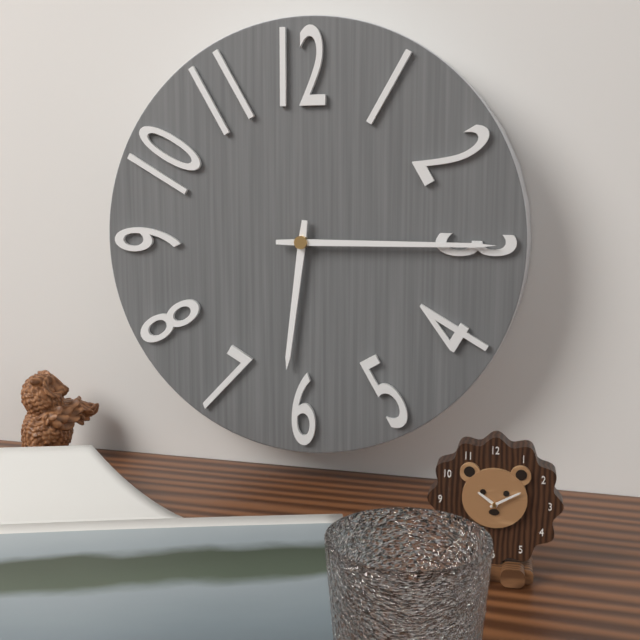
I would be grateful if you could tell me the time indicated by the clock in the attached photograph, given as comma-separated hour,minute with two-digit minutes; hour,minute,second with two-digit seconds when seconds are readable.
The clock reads 6,15
